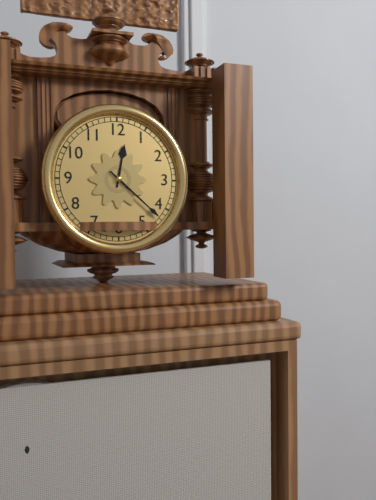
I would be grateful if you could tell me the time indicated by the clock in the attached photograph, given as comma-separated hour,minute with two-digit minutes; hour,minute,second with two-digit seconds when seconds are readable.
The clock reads 12,22
